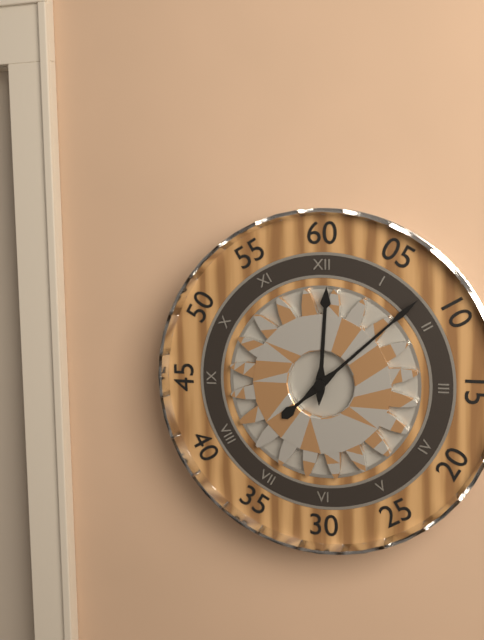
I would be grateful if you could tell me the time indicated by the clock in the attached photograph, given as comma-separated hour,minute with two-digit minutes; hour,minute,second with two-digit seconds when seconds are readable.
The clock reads 12,08
